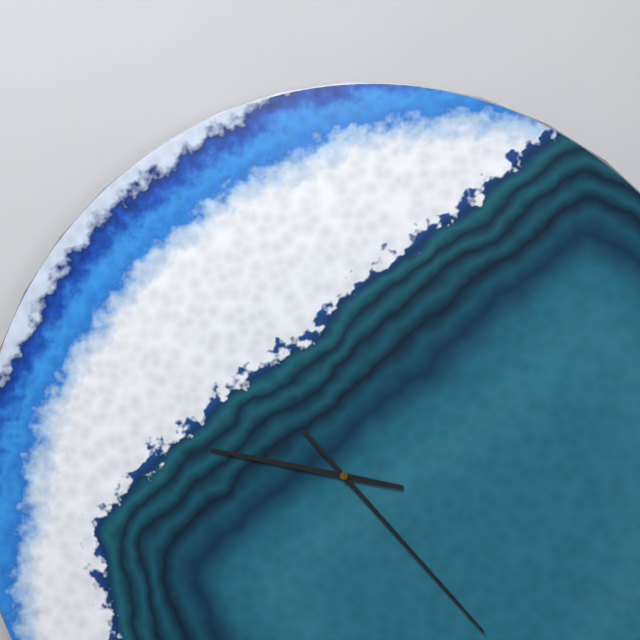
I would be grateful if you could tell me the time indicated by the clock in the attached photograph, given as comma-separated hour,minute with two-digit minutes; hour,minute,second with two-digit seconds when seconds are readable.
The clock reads 9,23
